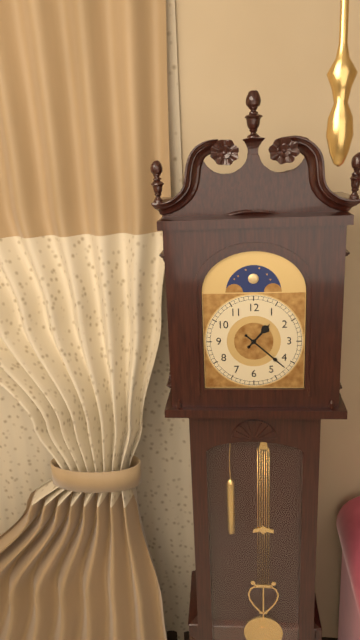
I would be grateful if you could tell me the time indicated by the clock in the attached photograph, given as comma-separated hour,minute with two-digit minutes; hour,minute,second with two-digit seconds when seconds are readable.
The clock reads 1,22
